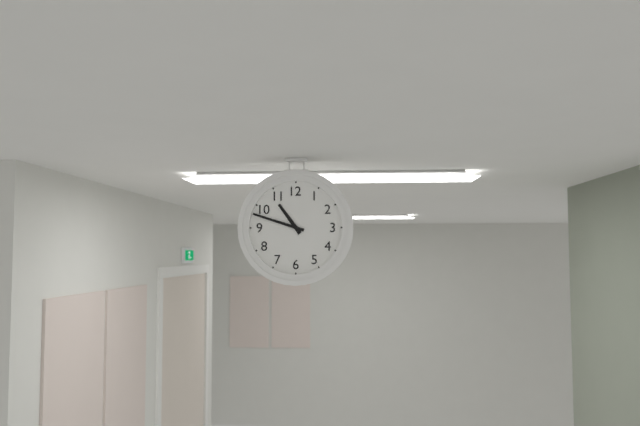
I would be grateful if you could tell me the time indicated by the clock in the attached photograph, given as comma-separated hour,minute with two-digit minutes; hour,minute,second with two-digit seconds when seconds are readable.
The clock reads 10,48
